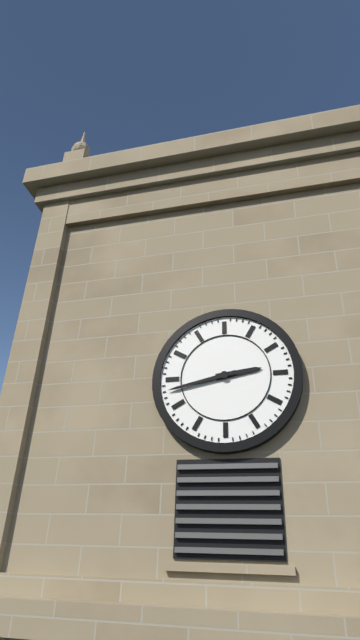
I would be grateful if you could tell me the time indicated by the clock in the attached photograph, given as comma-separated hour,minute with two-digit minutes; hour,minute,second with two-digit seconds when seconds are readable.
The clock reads 2,43
